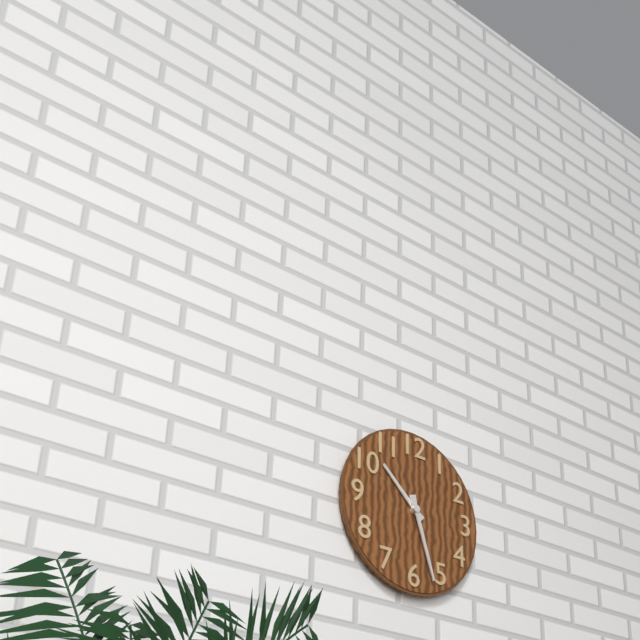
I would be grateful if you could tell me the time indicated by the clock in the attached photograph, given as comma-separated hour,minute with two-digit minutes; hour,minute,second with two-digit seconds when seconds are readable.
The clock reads 10,27
